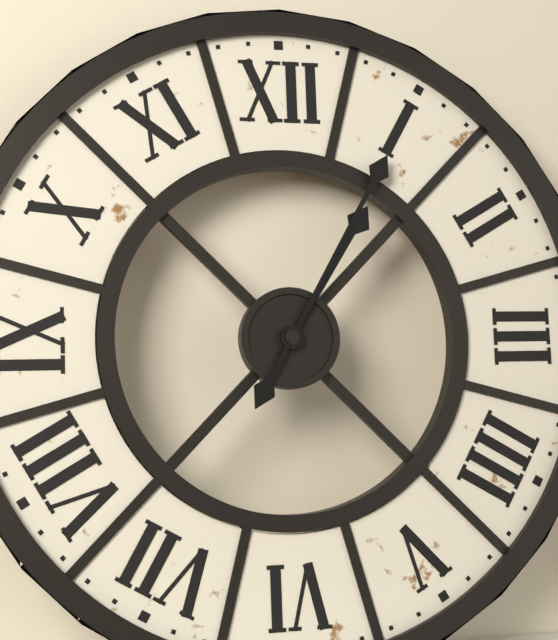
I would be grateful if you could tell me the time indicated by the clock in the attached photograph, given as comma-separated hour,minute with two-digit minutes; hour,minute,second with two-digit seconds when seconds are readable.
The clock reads 1,05
